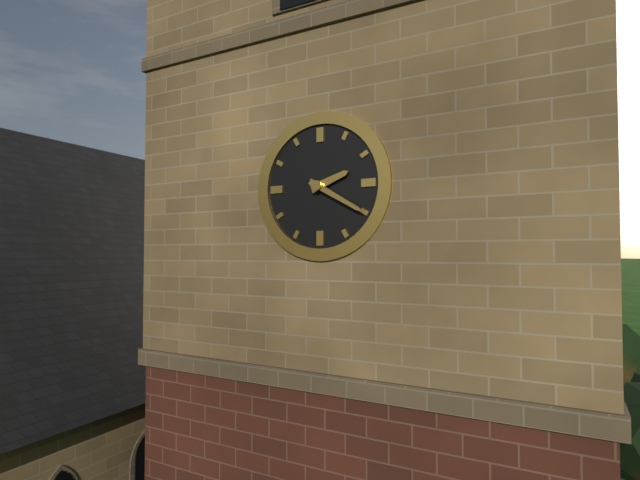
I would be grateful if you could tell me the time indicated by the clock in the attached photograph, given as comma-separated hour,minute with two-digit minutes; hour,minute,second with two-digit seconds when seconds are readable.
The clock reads 2,20
